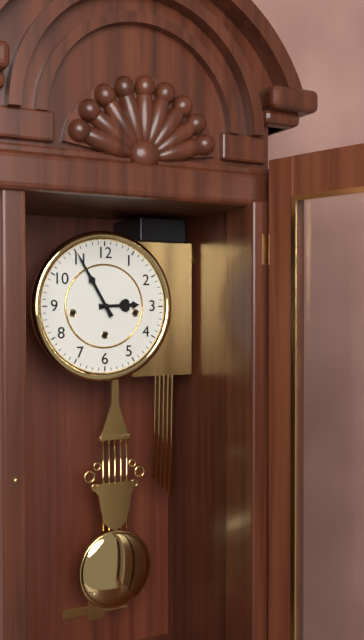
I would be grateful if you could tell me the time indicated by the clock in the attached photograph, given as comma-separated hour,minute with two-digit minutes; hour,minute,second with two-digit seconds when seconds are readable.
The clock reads 2,55
